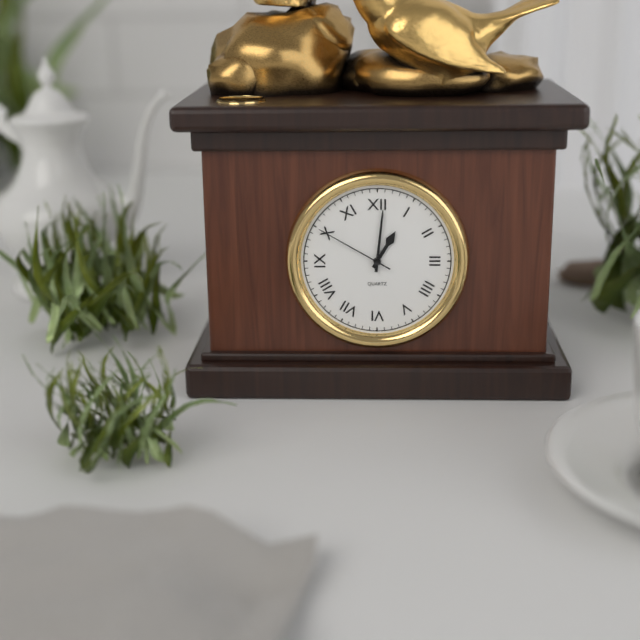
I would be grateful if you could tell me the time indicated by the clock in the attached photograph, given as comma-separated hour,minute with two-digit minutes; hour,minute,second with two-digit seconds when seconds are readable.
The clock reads 1,01,50
